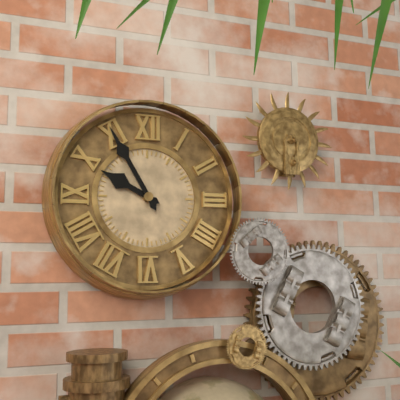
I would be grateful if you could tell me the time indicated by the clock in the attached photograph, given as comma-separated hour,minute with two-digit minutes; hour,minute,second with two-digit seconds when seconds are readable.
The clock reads 9,55
